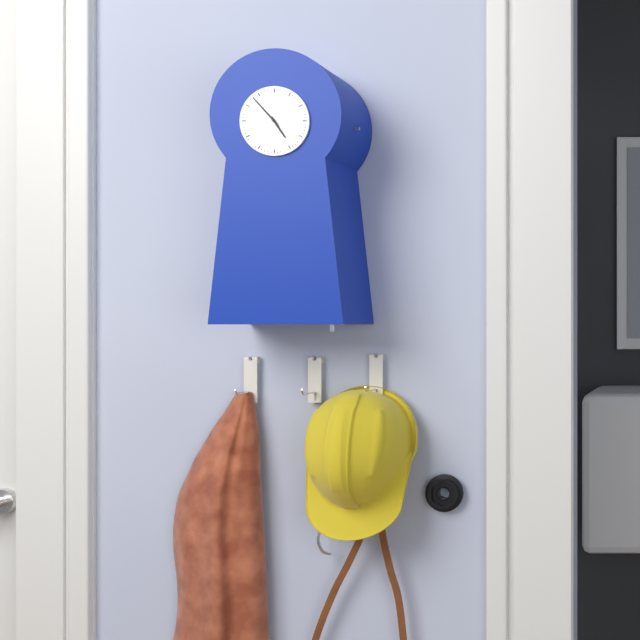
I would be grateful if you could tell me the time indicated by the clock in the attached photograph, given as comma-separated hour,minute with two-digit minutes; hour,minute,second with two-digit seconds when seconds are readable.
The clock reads 4,53
